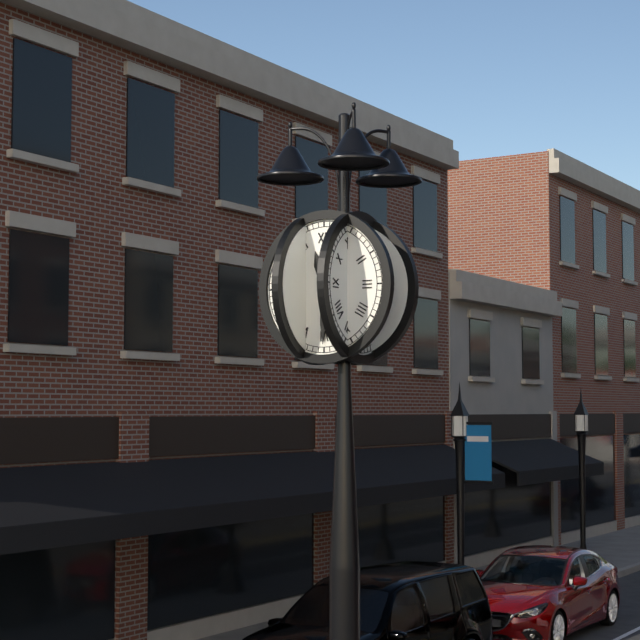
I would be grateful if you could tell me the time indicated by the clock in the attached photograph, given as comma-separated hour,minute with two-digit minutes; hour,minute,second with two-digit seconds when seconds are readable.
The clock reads 11,30
